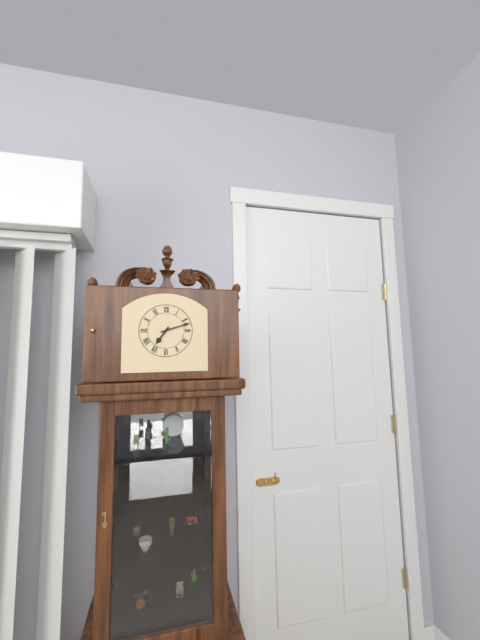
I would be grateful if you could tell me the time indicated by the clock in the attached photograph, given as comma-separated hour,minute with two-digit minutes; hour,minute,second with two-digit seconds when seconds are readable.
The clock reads 7,12
